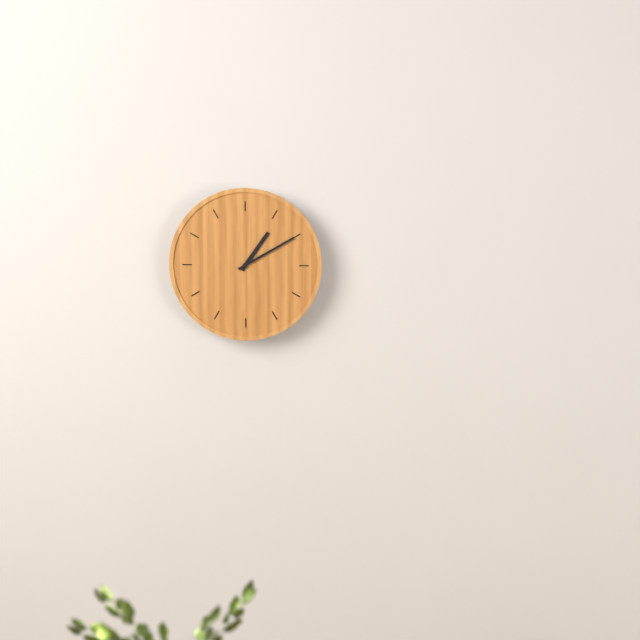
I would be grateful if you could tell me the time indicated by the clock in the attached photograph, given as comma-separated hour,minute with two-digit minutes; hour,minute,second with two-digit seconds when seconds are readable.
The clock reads 1,10
